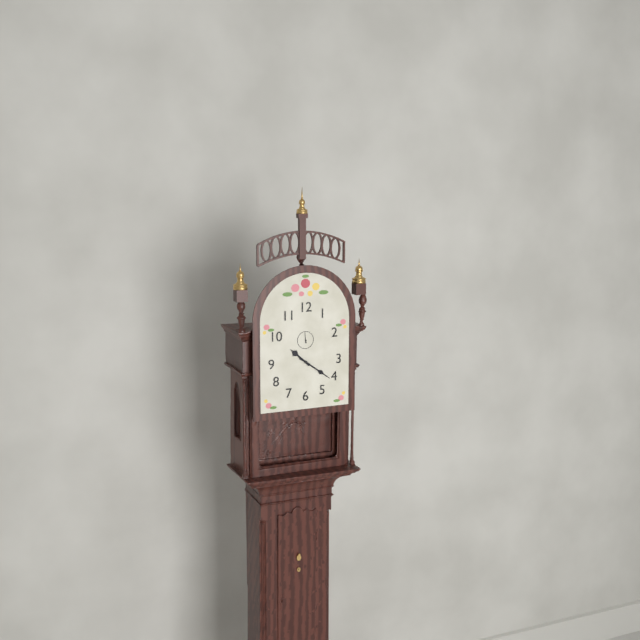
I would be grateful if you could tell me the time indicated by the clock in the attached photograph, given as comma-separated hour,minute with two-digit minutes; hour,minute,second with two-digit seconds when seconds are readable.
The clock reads 10,21
